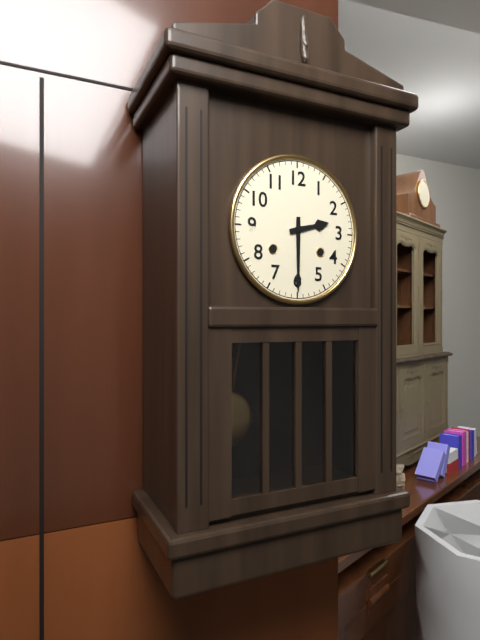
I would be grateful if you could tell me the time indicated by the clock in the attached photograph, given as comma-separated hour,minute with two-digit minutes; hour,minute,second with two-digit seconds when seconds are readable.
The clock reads 2,30
